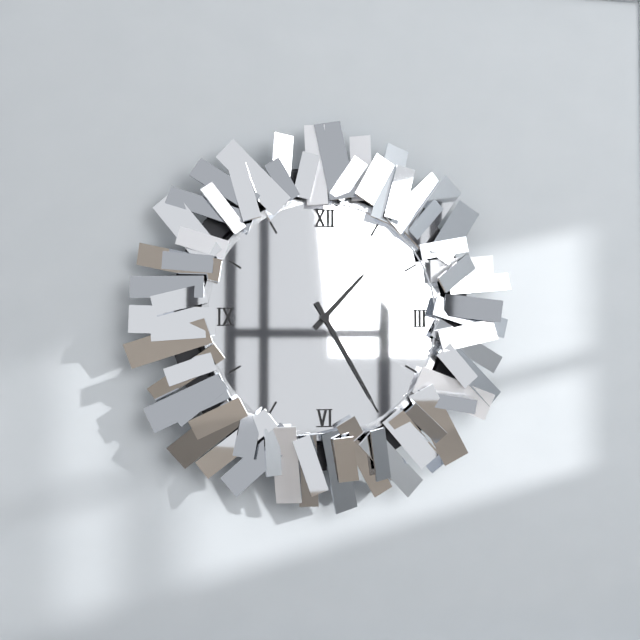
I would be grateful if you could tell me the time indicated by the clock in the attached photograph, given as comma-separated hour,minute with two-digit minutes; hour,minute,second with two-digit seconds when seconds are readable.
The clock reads 1,25
